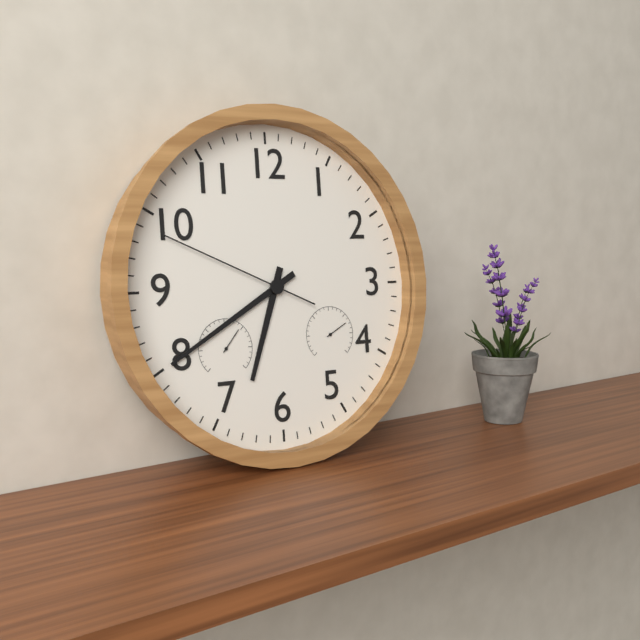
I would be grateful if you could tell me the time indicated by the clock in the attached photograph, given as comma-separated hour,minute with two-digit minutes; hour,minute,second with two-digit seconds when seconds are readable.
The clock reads 6,40,49
